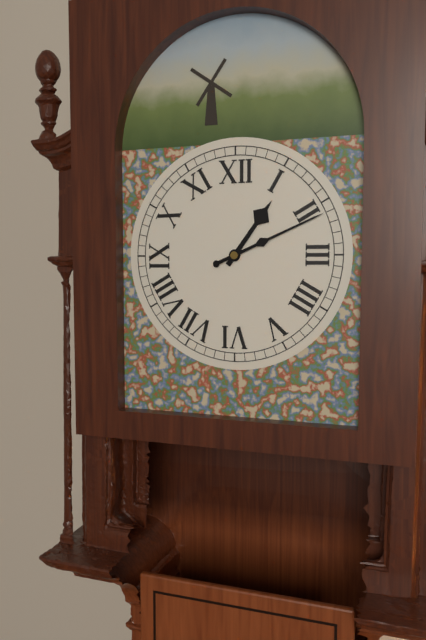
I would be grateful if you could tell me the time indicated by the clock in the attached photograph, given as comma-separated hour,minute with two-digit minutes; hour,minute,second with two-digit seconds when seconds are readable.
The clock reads 1,11
